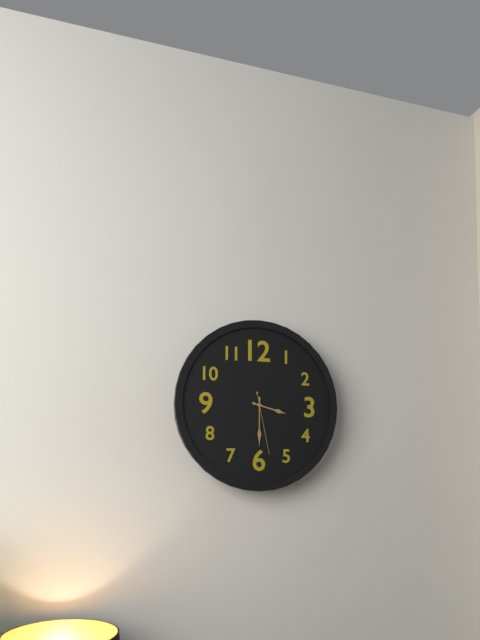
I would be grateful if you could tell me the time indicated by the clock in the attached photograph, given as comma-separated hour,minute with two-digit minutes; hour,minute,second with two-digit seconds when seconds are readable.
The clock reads 3,30,28
